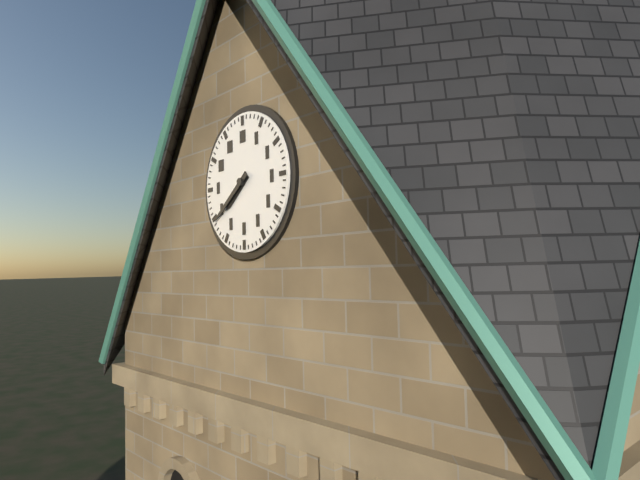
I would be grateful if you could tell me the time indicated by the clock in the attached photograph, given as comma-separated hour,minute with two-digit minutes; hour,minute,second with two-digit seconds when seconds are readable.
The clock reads 7,39
